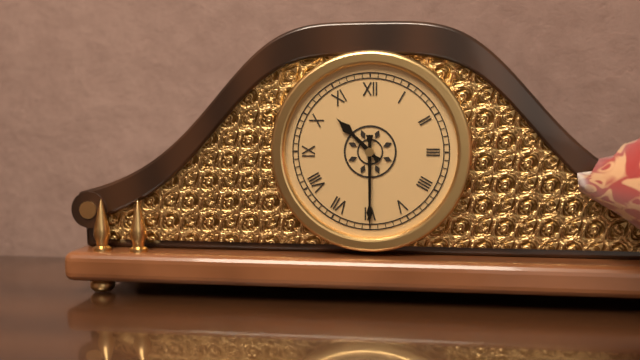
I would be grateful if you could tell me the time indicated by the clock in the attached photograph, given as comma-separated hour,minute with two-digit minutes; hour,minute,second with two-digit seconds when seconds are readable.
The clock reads 10,30
